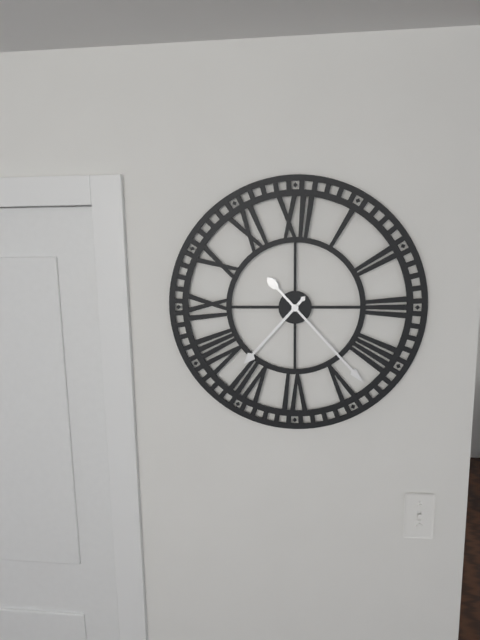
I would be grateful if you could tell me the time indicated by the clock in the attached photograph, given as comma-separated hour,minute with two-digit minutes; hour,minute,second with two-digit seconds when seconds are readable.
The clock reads 7,23
